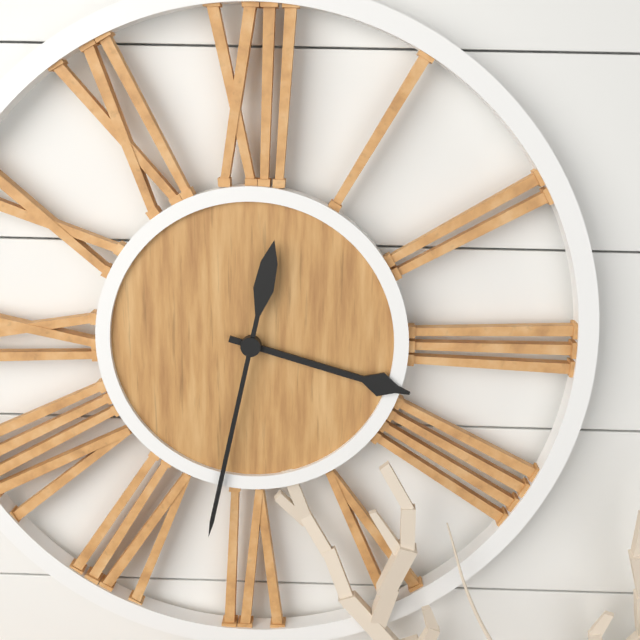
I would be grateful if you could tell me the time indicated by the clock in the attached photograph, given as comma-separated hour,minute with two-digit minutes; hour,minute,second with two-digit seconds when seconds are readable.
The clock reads 3,32
